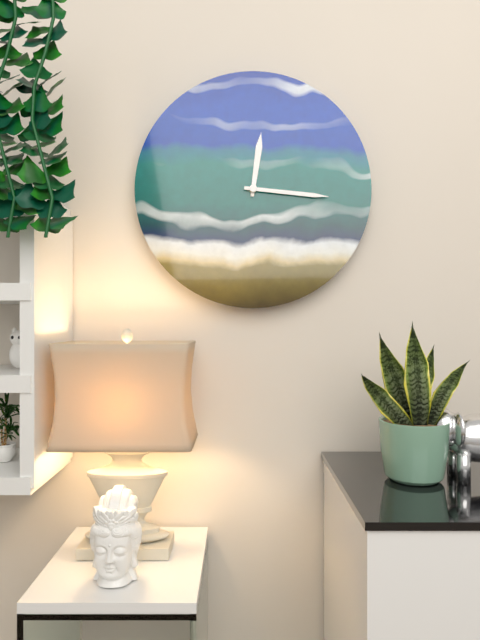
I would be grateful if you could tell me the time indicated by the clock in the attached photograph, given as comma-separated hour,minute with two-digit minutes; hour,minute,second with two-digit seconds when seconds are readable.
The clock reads 12,16
